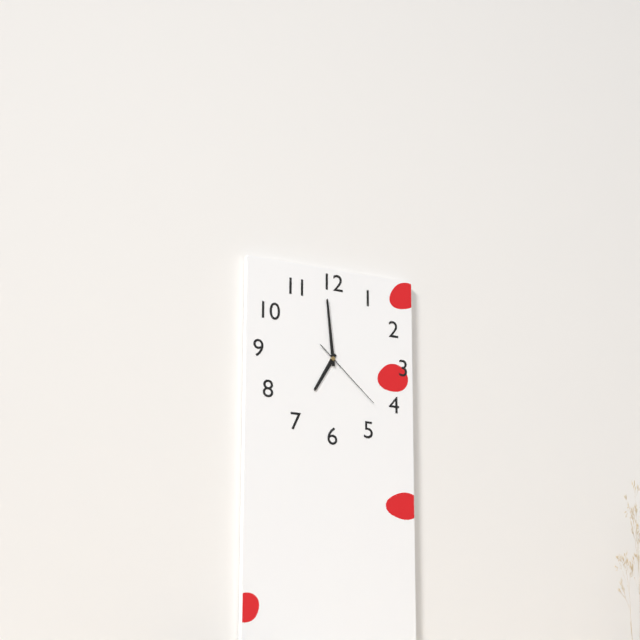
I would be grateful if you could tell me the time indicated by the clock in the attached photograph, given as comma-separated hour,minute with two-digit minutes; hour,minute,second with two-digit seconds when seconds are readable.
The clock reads 6,59,22
